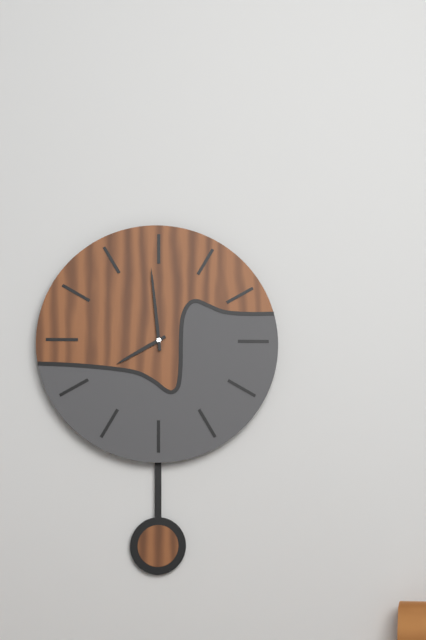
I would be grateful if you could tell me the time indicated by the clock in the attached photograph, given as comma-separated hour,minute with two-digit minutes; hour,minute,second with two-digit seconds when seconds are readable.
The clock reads 7,59
